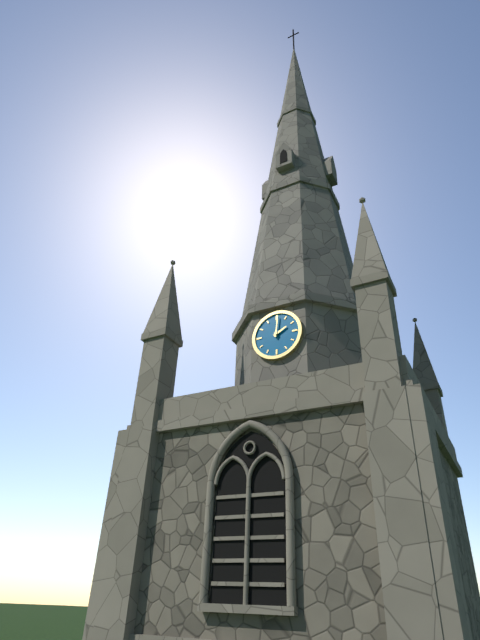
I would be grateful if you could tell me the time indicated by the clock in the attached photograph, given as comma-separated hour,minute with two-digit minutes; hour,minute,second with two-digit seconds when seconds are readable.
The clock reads 2,01
